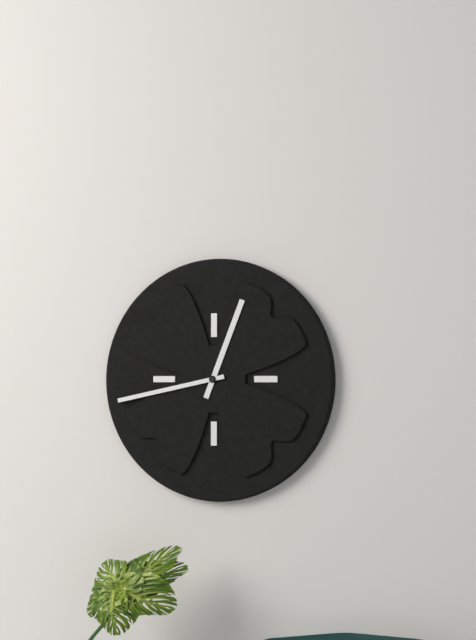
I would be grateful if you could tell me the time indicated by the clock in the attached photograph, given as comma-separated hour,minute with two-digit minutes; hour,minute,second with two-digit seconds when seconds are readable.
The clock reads 12,43
